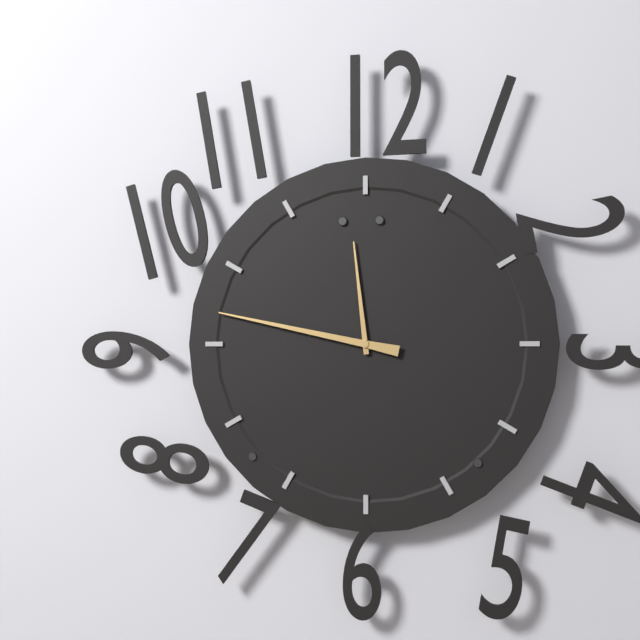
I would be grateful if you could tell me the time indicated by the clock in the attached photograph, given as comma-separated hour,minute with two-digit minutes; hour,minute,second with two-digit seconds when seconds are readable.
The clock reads 11,47
